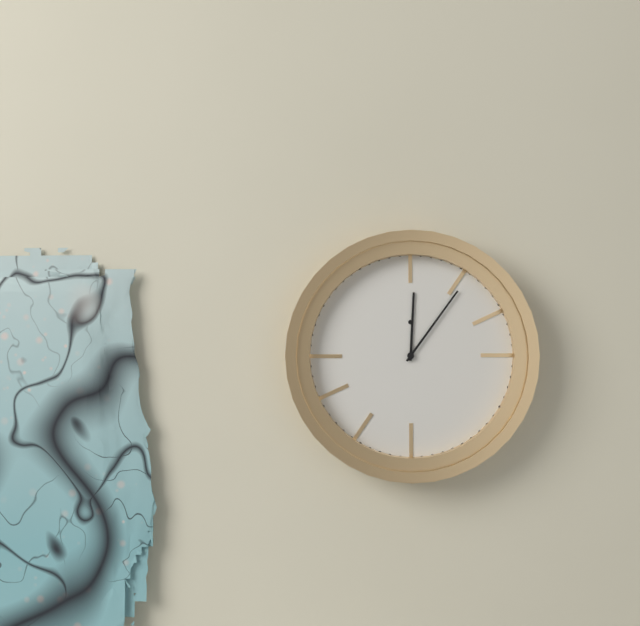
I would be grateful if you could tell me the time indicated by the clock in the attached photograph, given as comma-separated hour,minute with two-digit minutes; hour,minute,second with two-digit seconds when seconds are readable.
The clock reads 12,06
